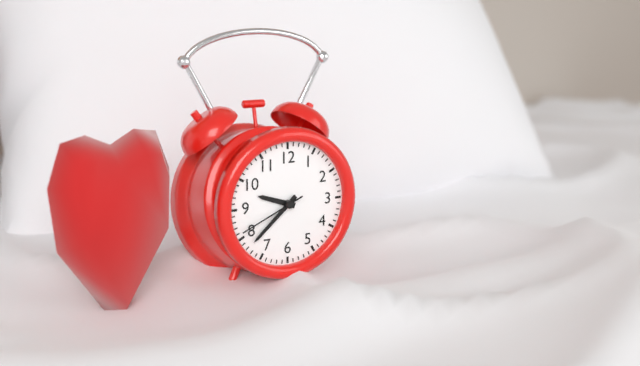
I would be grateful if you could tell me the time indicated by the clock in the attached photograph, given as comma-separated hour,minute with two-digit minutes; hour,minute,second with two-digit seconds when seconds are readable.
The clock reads 9,38,41
